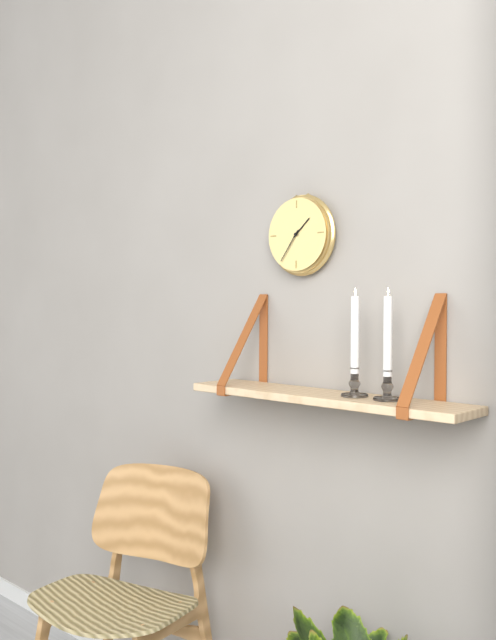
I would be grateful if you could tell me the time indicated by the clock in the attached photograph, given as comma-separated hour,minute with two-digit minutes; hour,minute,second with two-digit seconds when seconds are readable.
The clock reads 1,36
